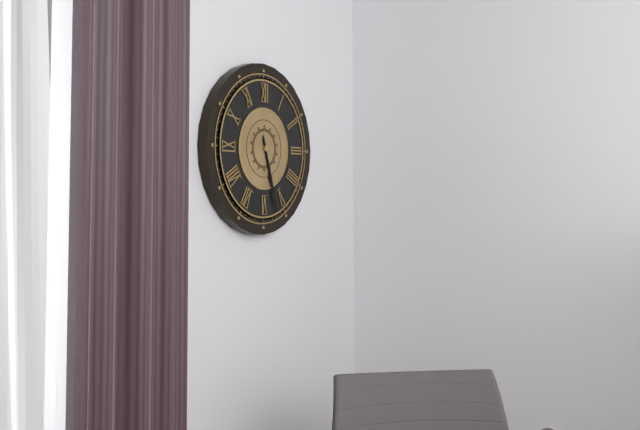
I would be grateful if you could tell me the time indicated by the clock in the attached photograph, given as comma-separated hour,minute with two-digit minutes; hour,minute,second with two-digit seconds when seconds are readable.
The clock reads 5,27
